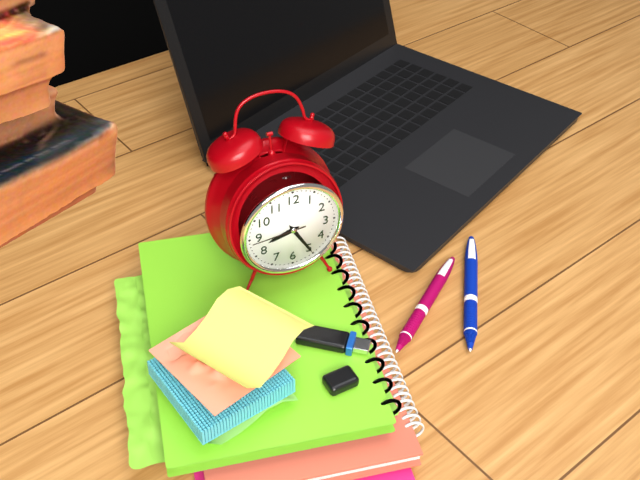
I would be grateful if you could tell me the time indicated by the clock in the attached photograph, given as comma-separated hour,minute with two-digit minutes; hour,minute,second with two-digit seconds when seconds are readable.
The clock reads 8,25,44
